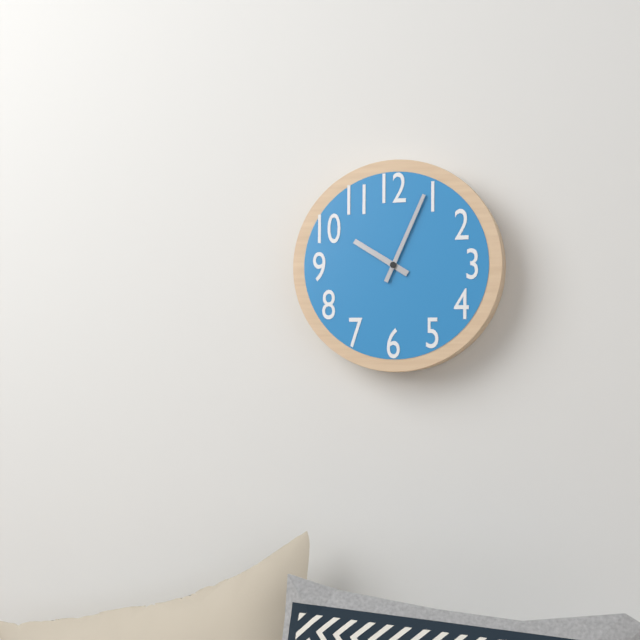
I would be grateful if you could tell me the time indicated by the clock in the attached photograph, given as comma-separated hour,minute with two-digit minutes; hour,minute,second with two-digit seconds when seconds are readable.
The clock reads 10,04
